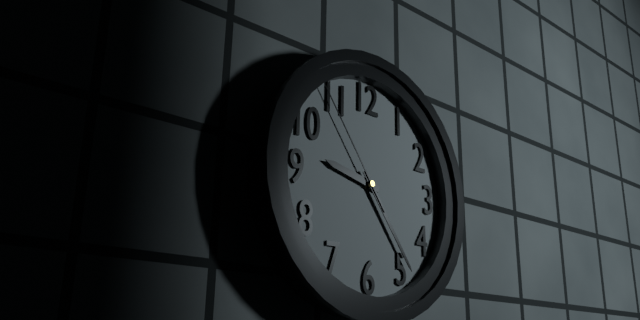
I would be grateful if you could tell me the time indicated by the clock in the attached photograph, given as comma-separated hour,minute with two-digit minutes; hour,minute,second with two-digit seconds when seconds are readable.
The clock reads 9,24,54
